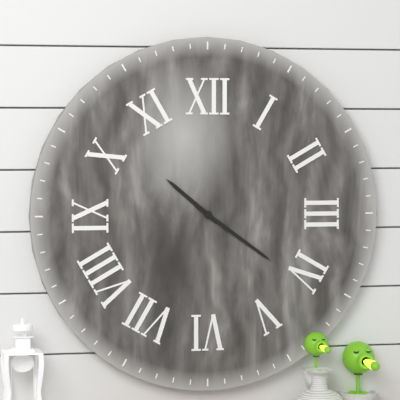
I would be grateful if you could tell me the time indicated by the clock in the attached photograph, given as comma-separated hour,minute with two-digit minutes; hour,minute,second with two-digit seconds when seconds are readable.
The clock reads 10,21
